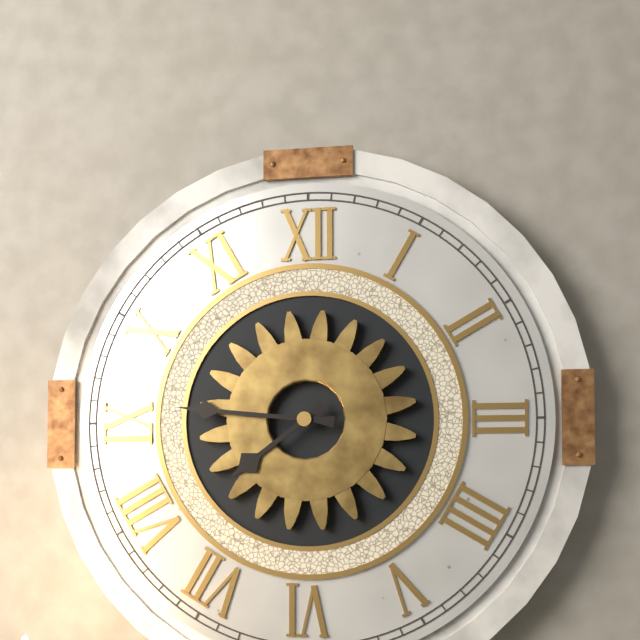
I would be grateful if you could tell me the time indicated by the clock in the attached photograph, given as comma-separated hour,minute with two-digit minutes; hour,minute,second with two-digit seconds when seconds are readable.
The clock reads 7,46
